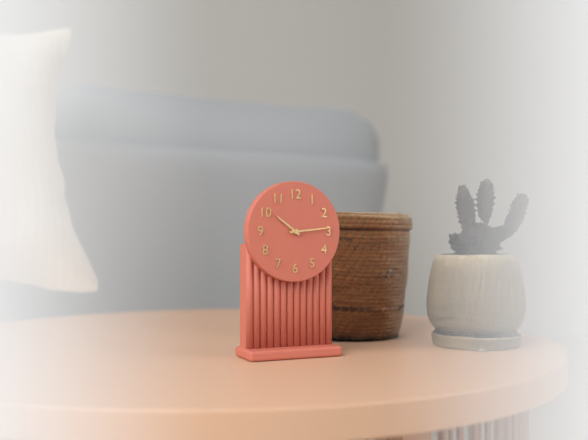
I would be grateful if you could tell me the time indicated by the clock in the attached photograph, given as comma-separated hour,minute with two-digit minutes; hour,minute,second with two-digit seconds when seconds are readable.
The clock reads 10,14
